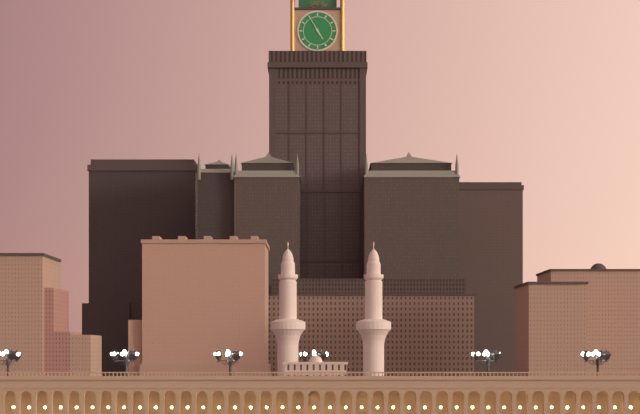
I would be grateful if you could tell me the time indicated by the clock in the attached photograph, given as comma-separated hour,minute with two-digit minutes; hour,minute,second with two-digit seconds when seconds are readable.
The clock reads 4,55
